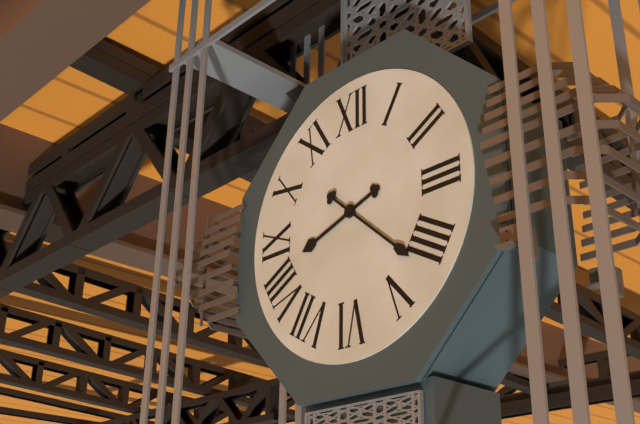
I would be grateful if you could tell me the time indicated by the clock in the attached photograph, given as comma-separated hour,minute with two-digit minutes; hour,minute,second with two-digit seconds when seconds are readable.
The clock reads 8,22
